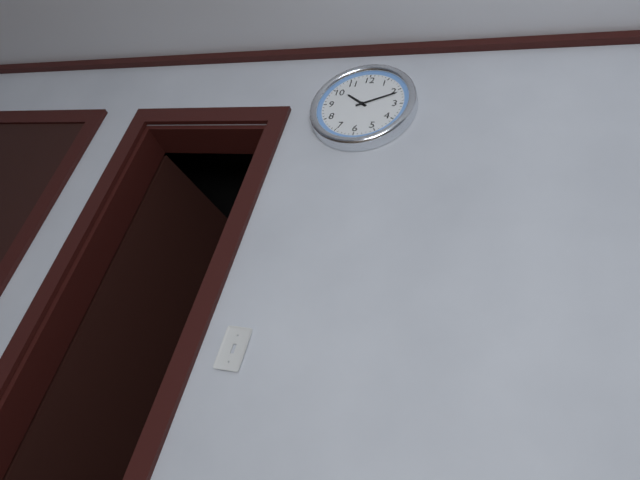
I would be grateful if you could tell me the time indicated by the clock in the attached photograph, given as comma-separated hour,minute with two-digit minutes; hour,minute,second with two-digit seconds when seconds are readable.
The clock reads 10,11
